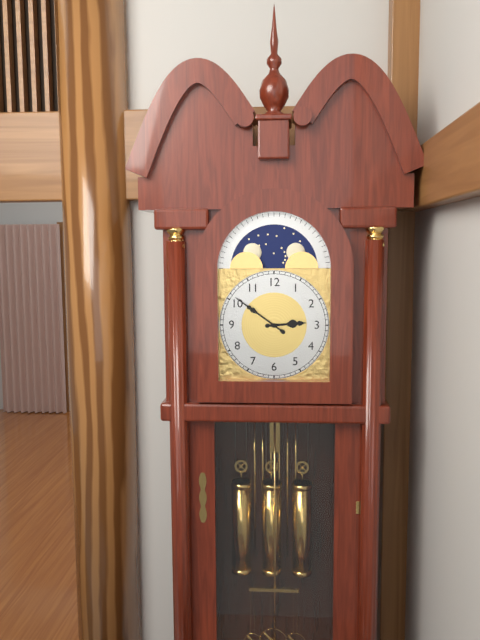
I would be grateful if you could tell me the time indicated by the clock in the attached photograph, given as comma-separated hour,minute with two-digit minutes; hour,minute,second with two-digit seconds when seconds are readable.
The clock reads 2,51
